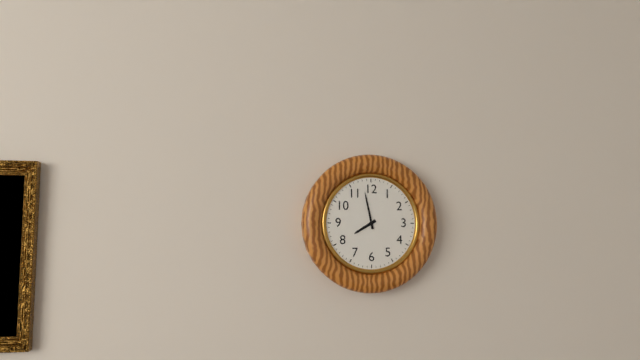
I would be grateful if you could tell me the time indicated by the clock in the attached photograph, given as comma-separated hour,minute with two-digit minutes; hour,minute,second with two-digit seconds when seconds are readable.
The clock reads 7,58
